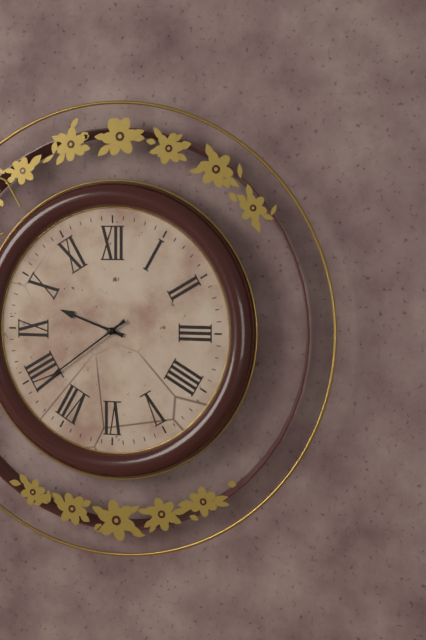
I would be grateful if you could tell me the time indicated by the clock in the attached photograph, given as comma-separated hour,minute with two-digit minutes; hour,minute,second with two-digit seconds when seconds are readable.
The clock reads 9,39
